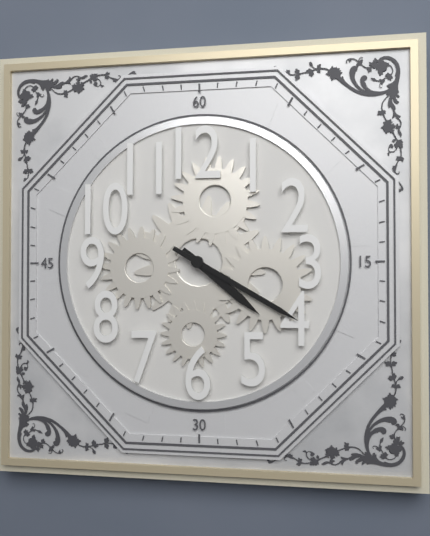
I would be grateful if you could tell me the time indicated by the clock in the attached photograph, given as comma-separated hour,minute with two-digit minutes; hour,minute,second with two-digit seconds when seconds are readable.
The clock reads 4,20
